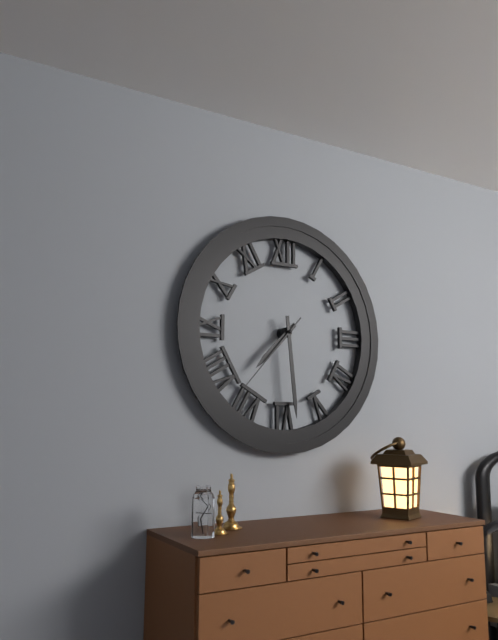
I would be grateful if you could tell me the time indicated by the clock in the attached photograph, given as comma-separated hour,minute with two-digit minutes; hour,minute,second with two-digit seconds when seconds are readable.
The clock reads 7,29,37
